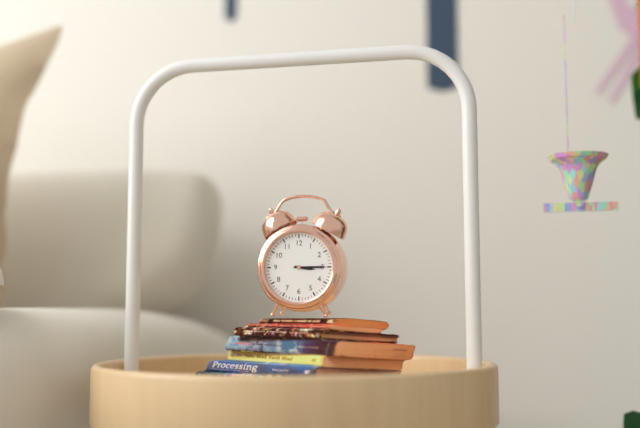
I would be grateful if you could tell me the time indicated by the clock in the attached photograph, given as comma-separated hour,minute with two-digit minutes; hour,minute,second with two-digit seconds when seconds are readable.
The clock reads 3,15
